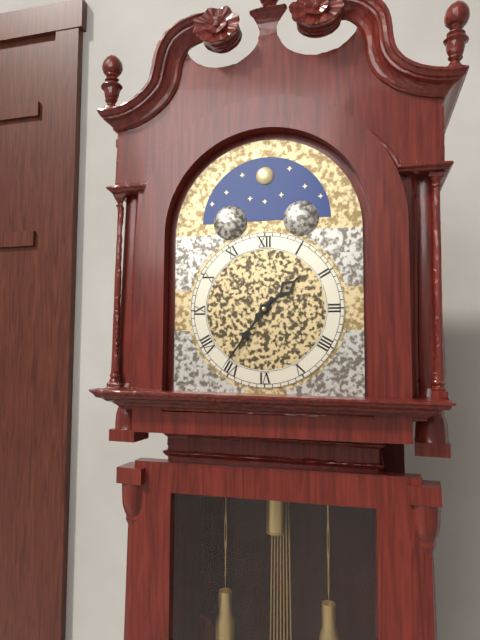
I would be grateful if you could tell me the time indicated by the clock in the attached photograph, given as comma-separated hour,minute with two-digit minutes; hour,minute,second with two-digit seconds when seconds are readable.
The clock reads 1,36
